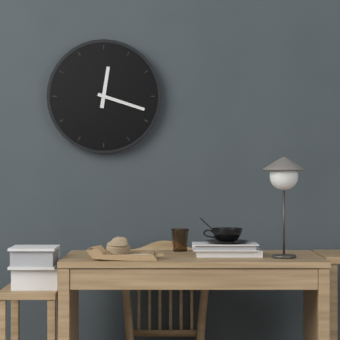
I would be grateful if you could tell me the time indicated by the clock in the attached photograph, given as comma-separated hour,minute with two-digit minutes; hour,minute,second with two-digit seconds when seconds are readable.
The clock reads 12,18
